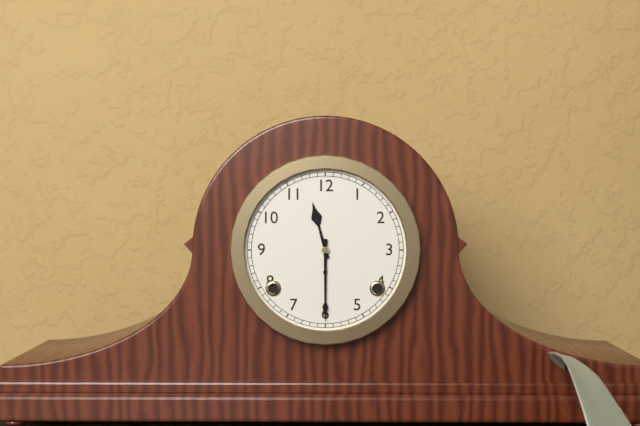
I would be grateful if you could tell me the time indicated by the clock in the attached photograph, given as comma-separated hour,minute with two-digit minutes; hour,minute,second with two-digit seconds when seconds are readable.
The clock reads 11,30
